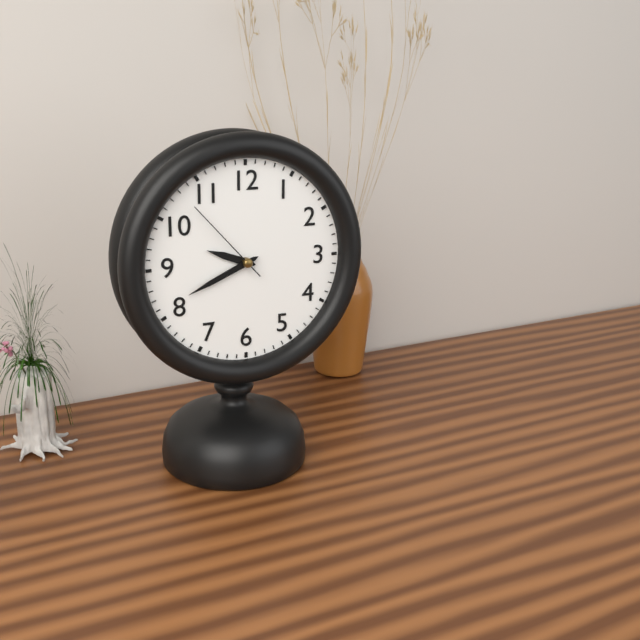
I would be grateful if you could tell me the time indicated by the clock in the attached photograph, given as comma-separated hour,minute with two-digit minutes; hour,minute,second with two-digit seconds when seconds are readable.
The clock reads 9,41,53
